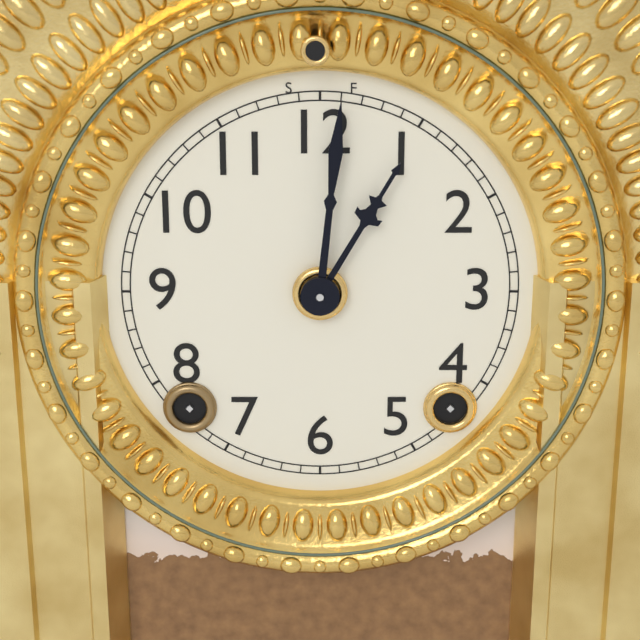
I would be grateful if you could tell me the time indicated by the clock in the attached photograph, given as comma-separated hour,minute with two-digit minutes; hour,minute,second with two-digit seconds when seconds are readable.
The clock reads 1,01
